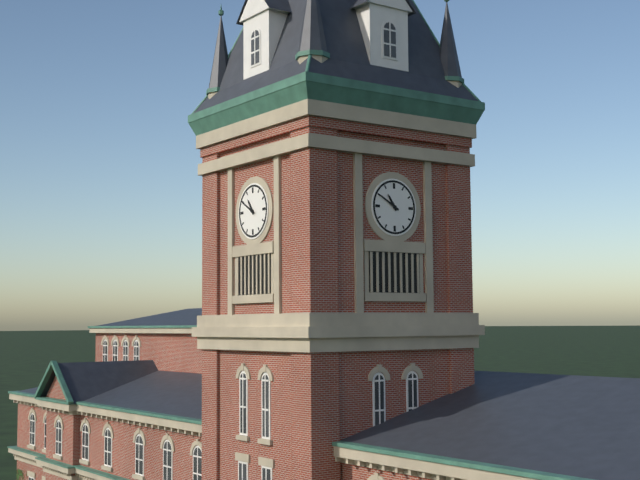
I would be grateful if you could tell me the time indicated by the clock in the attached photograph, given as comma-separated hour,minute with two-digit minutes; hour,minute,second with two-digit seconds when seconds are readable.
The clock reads 10,50
